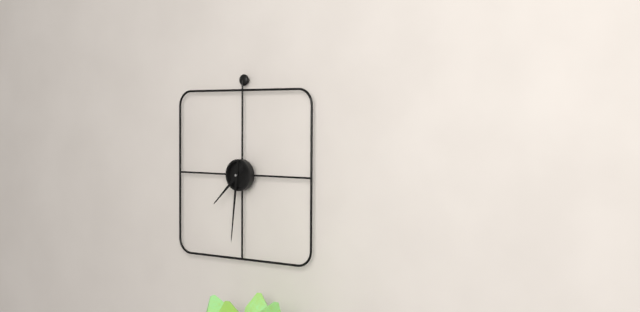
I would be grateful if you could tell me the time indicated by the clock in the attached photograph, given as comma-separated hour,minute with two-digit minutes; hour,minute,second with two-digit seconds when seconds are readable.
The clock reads 7,31
